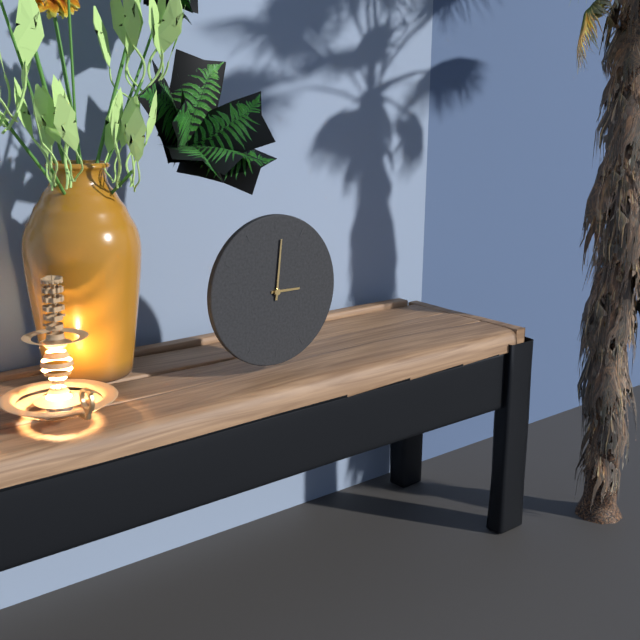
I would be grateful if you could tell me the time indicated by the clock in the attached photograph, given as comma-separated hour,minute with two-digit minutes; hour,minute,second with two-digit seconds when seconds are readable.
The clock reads 3,01
